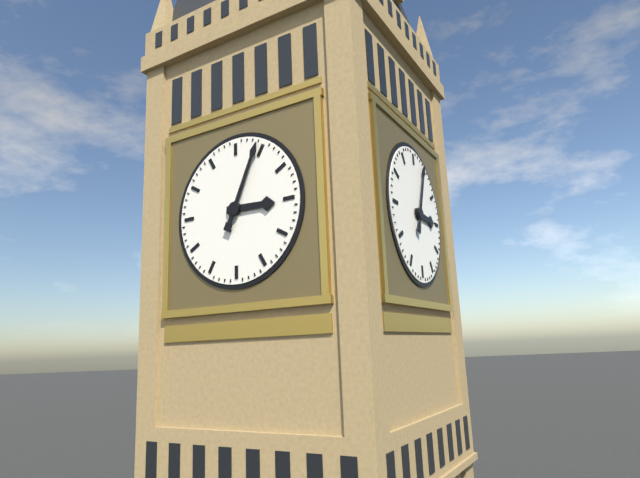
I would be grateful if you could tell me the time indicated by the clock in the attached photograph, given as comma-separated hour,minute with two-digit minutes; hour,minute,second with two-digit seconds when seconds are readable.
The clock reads 3,04
